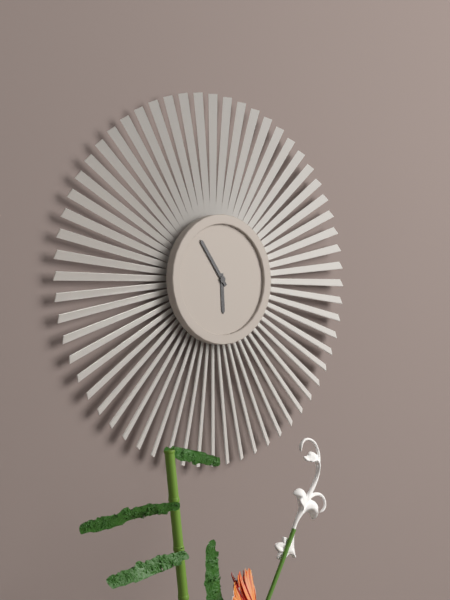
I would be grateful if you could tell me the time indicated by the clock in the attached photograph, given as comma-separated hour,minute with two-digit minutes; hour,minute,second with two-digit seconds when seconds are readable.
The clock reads 5,54
